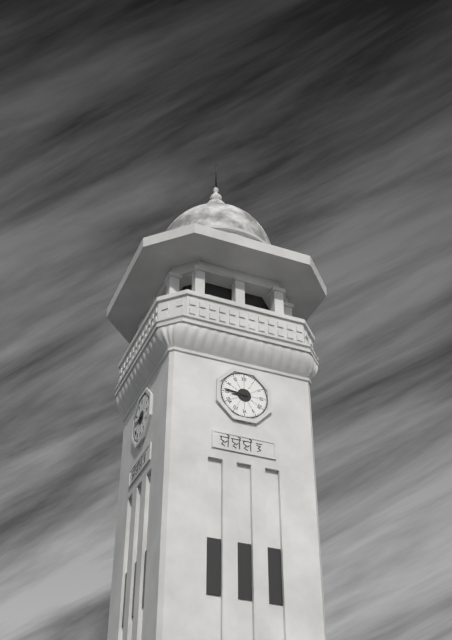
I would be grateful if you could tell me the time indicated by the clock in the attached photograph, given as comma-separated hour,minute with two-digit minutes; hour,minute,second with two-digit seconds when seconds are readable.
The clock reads 8,46
